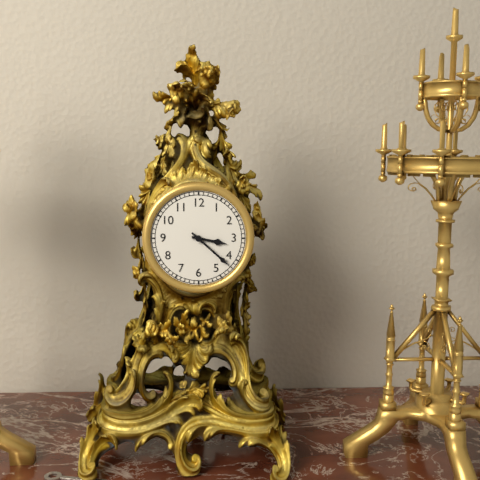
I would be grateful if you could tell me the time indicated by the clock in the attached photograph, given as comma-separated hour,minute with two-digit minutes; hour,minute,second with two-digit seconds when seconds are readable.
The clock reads 3,22
